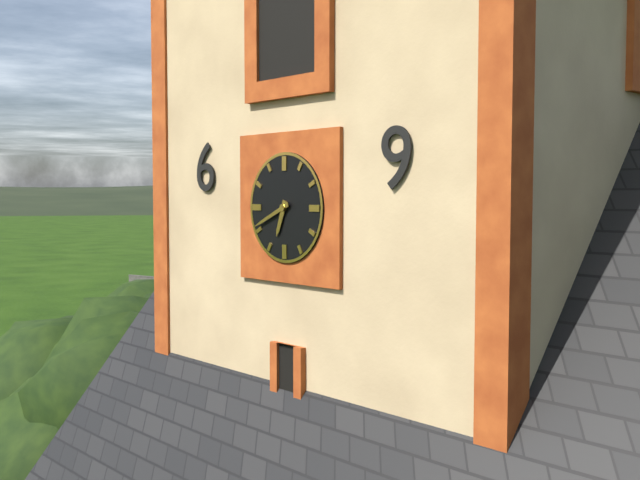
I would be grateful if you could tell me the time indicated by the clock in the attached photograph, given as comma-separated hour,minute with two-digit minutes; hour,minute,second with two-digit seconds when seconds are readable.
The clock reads 6,41
